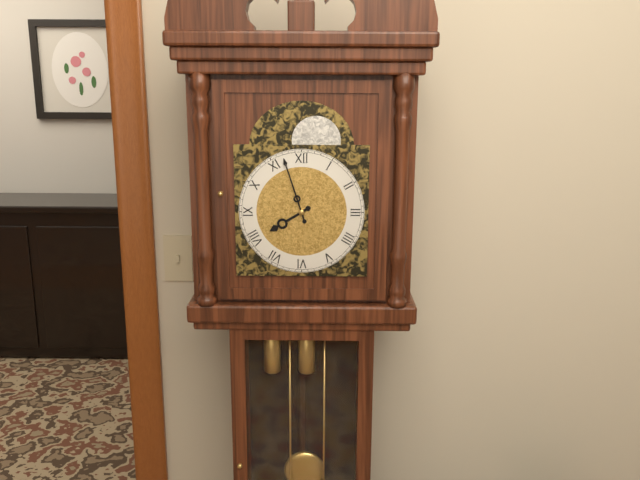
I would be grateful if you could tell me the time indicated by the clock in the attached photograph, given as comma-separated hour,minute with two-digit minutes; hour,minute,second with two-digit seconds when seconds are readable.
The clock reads 7,57
